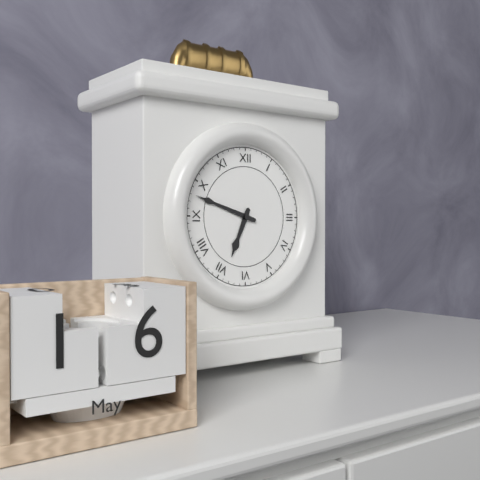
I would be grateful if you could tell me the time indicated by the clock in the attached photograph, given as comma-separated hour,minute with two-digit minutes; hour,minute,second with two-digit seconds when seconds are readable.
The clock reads 6,48
